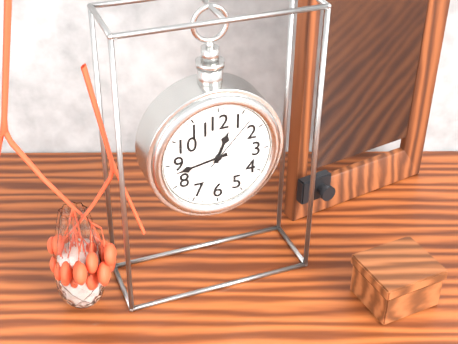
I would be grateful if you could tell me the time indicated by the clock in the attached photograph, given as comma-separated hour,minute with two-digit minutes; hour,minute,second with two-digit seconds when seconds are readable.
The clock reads 12,43,07
